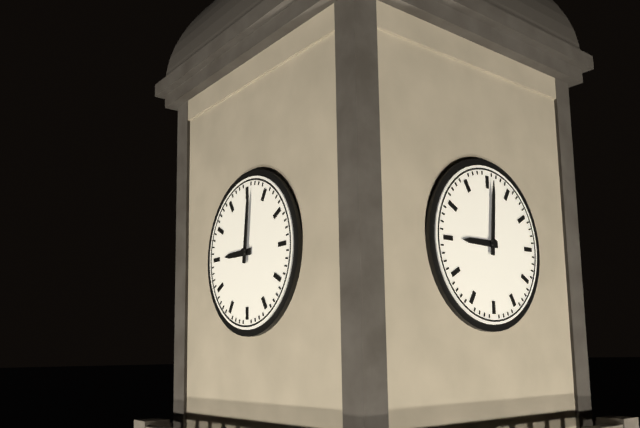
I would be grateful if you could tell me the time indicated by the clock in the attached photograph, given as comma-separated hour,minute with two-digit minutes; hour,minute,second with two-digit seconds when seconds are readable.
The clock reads 9,01
